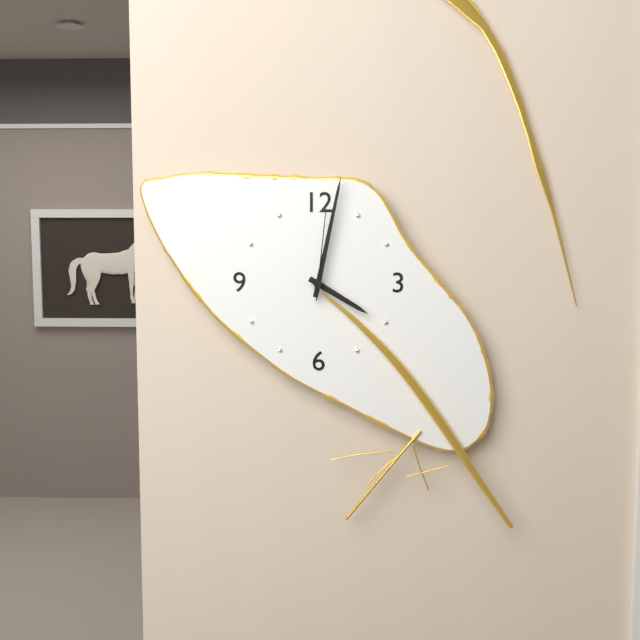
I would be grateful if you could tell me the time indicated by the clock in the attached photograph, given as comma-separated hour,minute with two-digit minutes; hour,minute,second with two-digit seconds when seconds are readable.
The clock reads 4,02,01
